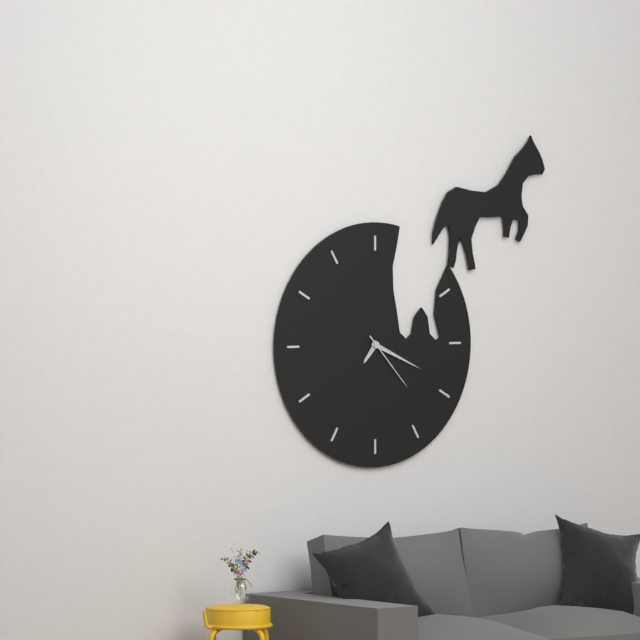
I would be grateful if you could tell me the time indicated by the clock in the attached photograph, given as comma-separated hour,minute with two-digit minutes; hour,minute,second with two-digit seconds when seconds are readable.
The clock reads 7,19,23
